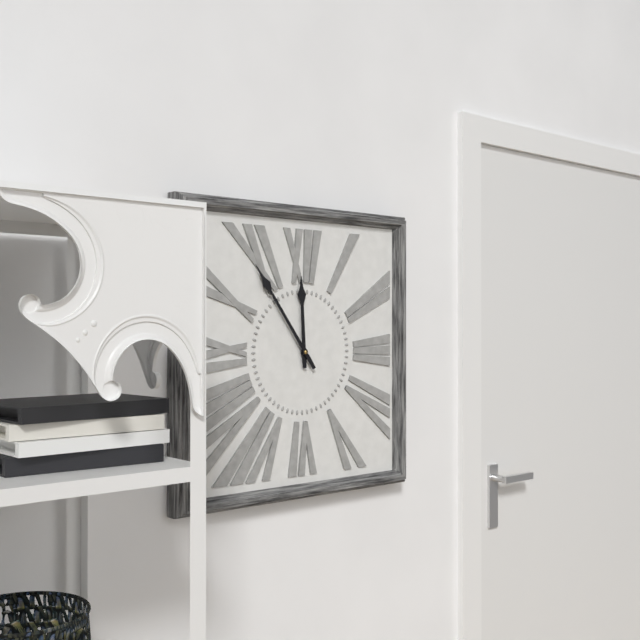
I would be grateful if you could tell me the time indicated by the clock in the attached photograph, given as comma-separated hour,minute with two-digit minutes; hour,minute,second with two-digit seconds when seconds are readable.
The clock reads 11,54
